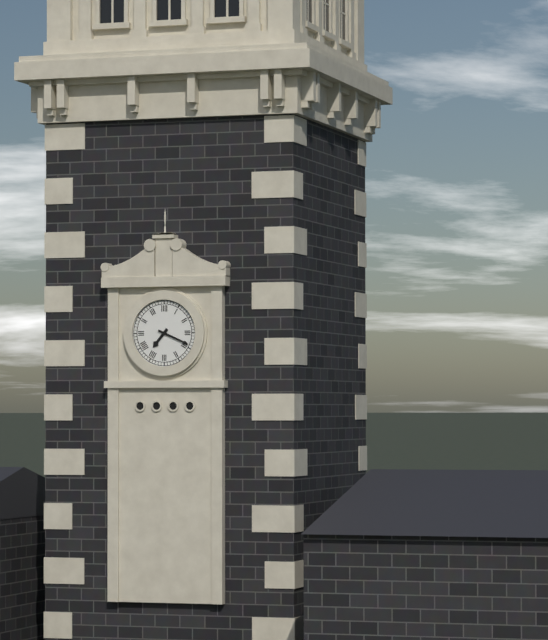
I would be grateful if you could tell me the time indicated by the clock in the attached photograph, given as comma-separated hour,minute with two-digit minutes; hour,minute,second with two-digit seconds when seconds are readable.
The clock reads 7,19
